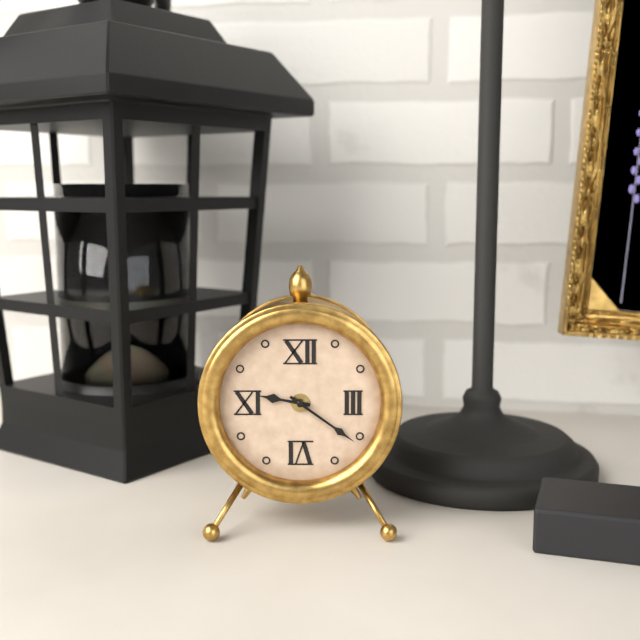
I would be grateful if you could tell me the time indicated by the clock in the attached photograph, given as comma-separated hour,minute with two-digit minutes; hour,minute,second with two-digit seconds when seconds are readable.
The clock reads 9,21
